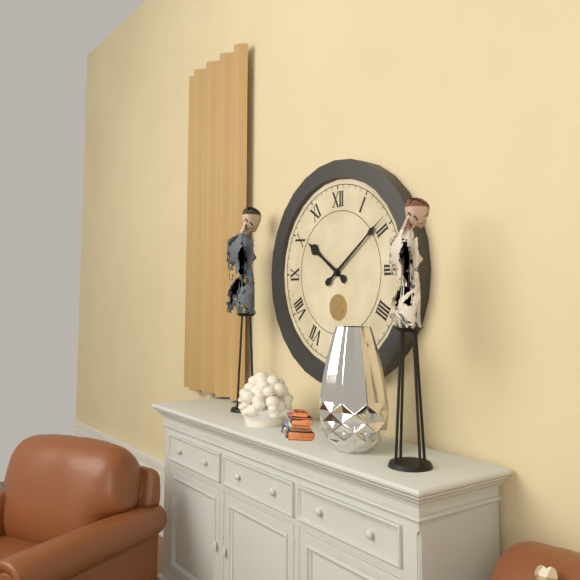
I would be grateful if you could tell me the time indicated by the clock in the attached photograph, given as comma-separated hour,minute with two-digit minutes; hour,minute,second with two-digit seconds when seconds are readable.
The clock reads 10,09
